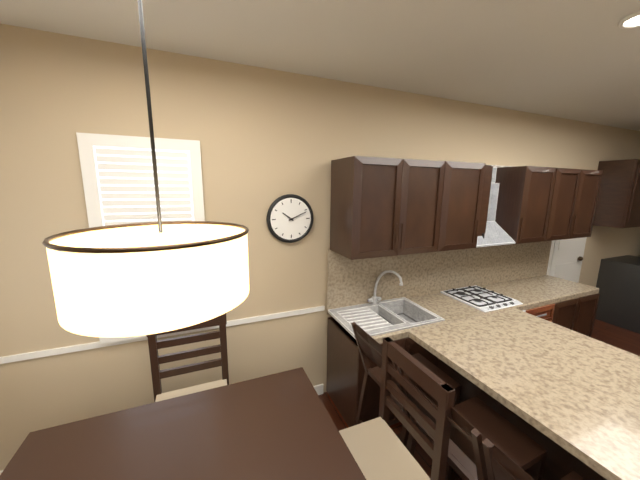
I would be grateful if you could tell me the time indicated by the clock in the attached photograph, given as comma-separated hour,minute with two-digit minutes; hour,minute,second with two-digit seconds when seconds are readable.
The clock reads 10,11
